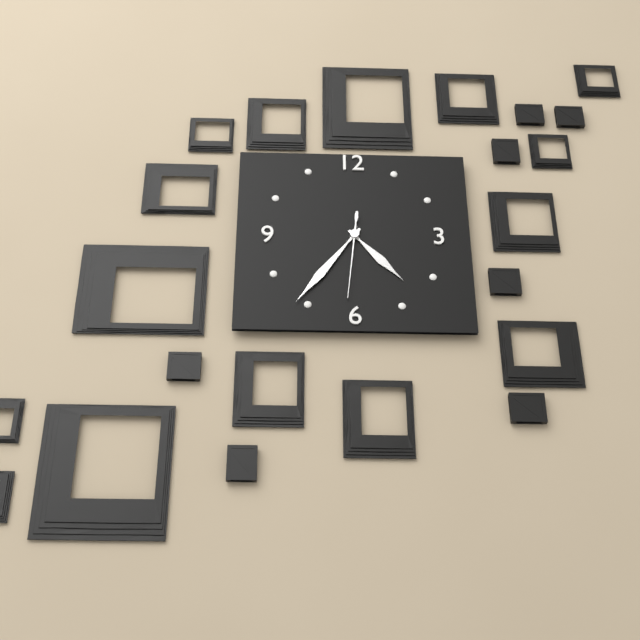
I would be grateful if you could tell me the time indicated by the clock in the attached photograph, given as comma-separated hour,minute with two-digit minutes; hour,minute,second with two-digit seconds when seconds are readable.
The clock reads 4,36,31
